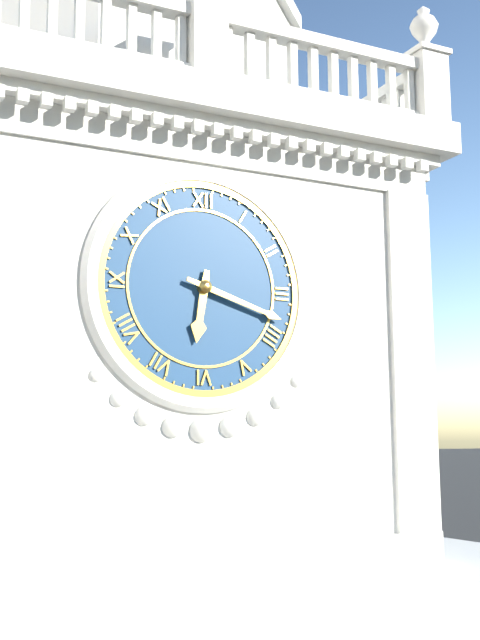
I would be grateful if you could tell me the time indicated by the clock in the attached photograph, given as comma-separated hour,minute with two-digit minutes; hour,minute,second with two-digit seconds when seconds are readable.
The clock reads 6,18
